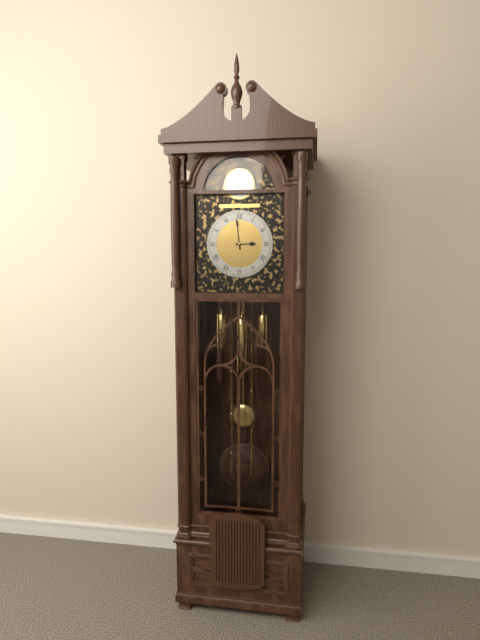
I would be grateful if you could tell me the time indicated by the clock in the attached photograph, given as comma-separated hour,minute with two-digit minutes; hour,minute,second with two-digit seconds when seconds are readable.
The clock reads 2,59
